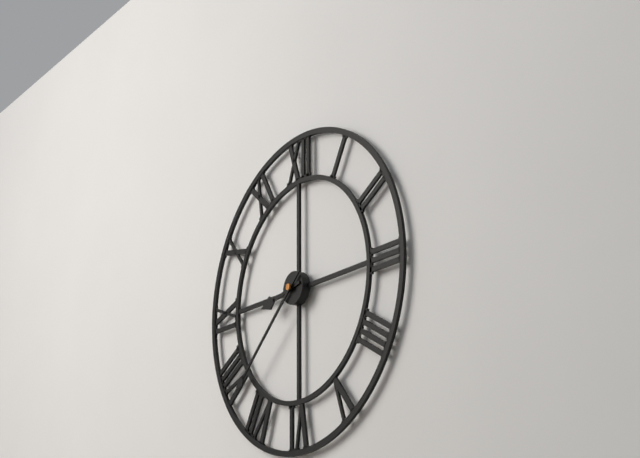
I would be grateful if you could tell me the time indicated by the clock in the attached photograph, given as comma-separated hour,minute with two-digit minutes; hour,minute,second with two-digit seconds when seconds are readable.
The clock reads 8,38
